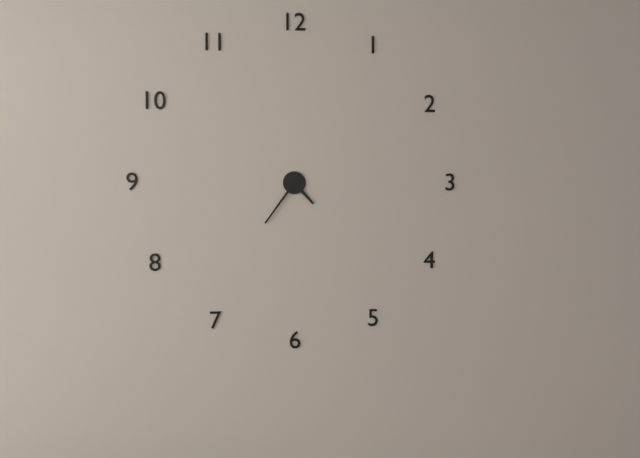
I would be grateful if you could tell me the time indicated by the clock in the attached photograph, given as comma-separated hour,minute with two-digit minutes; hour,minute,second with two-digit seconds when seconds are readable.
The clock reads 4,36
